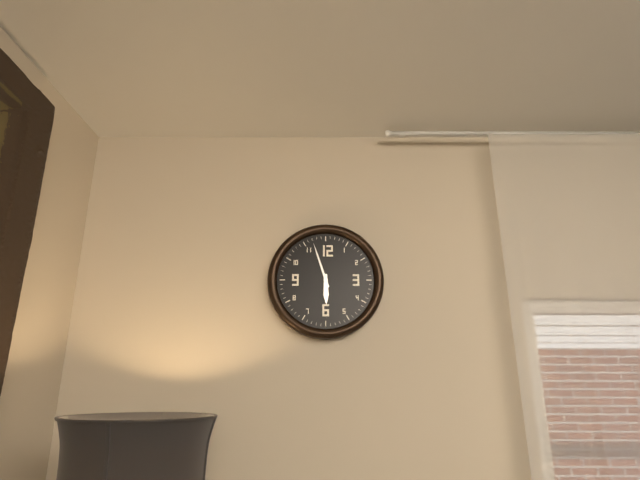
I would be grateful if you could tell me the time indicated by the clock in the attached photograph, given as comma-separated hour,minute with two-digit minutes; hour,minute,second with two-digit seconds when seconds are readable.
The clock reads 5,57
